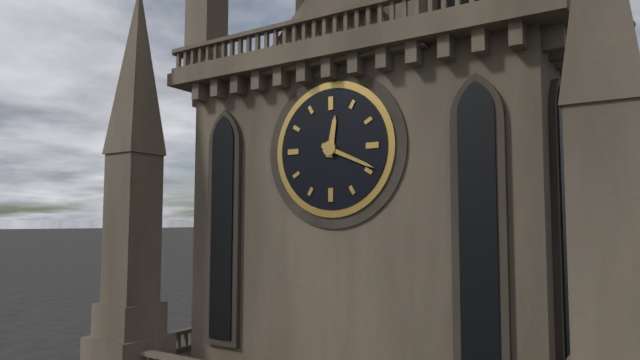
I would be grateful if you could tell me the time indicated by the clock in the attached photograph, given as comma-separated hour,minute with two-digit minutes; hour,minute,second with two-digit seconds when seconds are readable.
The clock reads 12,19
